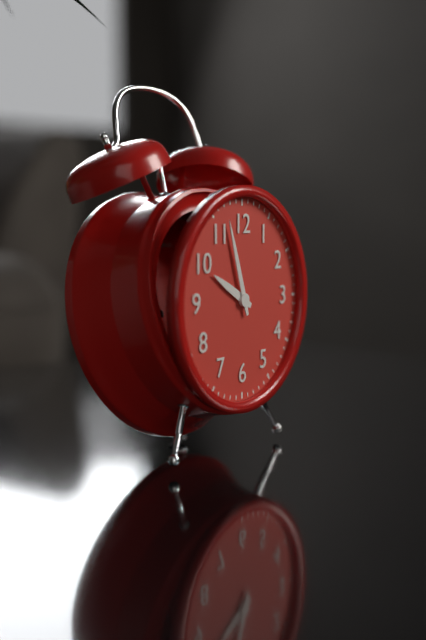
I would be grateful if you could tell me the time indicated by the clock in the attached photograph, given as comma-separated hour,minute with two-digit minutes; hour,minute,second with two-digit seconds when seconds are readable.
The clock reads 9,57
